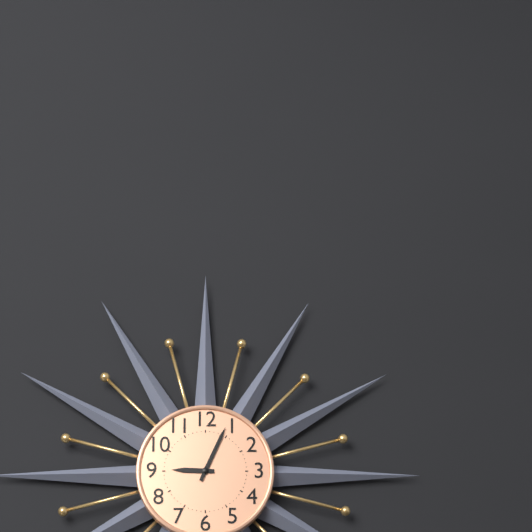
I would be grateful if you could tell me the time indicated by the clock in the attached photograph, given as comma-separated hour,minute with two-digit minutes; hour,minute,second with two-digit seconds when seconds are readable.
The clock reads 9,04
